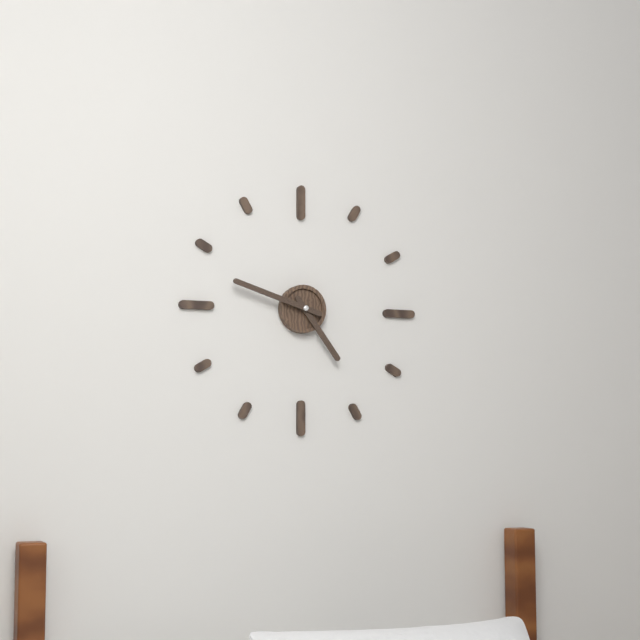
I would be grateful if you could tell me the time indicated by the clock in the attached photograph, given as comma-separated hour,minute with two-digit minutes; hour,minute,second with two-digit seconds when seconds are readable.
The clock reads 4,48
